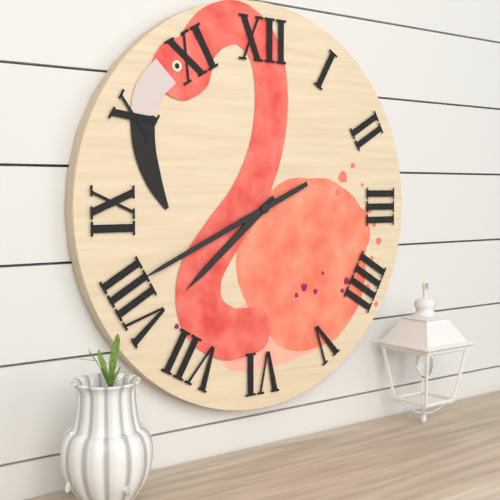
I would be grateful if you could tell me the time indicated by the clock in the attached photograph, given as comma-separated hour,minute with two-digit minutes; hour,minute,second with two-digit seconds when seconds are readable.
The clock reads 7,41
